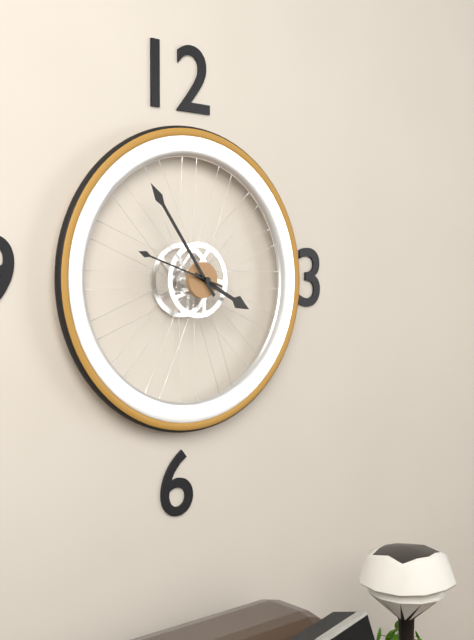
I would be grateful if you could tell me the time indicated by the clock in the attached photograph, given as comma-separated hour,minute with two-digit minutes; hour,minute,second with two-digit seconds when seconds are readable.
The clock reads 3,54,48
